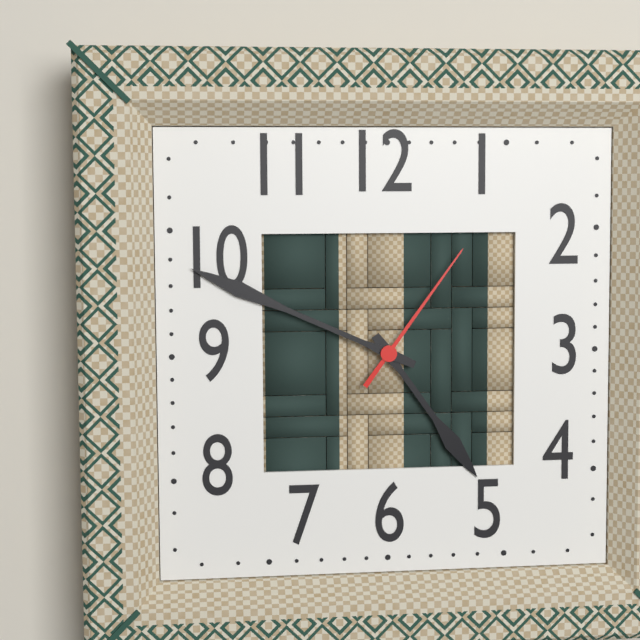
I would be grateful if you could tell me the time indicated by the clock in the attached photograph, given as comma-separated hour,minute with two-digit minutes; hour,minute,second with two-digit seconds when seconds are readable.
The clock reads 4,49,06
